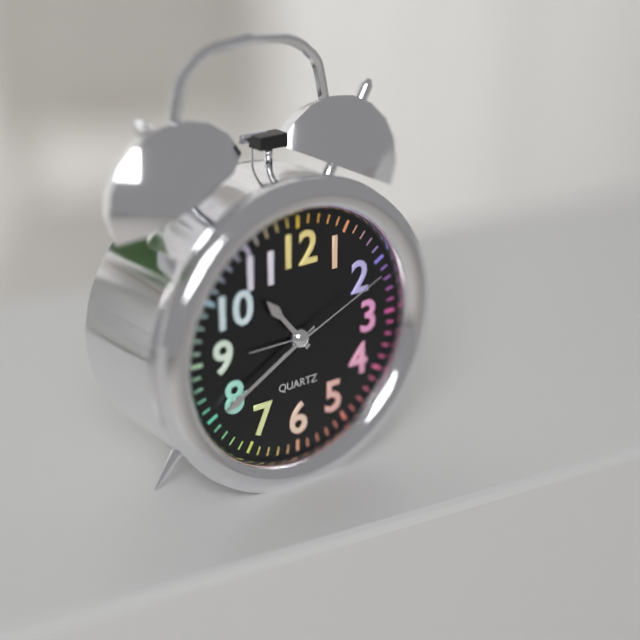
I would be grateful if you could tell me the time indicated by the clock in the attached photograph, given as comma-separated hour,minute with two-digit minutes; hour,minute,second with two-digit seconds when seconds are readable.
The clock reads 10,40,11
